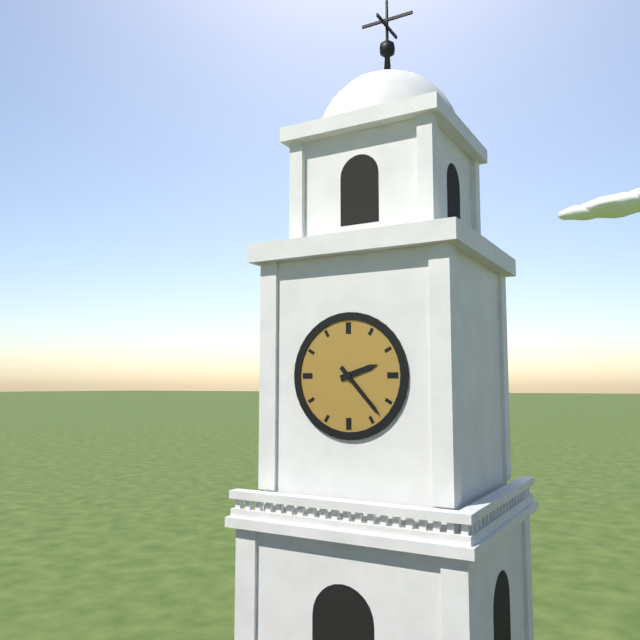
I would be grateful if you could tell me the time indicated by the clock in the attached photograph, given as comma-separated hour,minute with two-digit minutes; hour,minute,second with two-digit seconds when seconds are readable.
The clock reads 2,23
